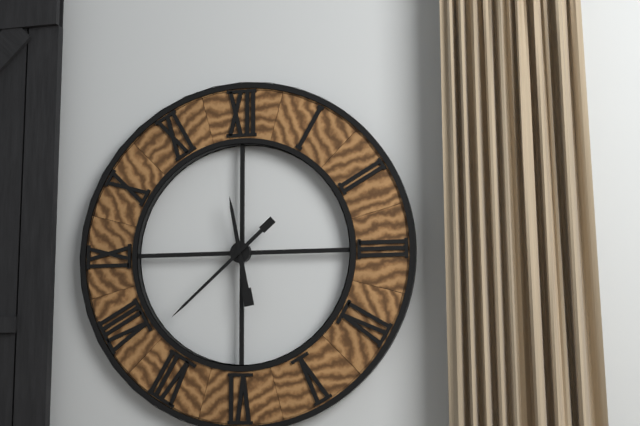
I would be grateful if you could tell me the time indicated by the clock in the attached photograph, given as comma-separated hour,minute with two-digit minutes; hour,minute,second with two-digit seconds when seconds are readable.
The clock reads 11,38
